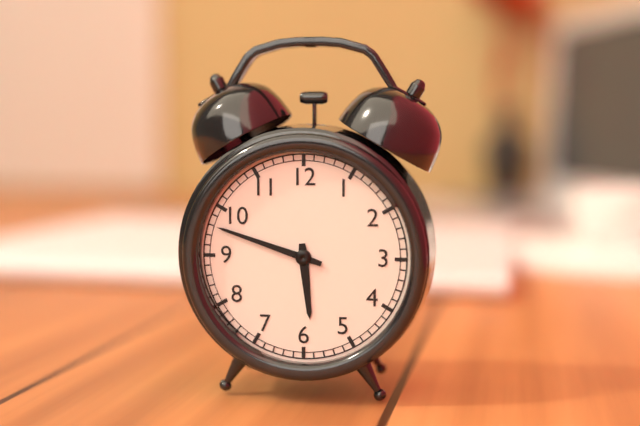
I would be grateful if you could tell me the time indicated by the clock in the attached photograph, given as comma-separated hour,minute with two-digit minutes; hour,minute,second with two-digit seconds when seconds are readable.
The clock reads 5,48
